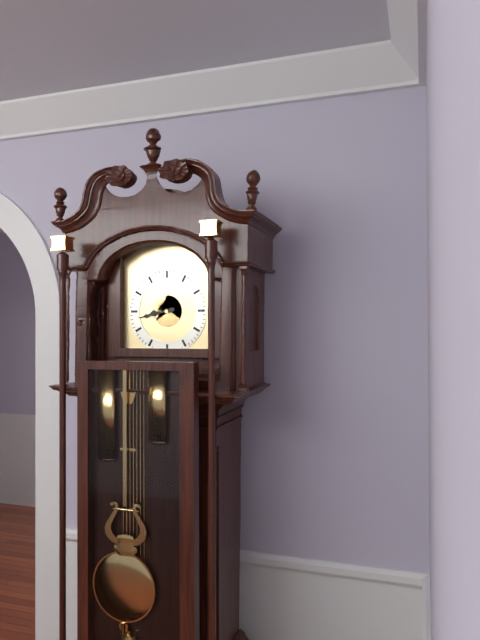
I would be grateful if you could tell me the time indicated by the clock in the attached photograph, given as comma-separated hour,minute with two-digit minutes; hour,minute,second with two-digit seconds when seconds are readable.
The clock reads 8,43
